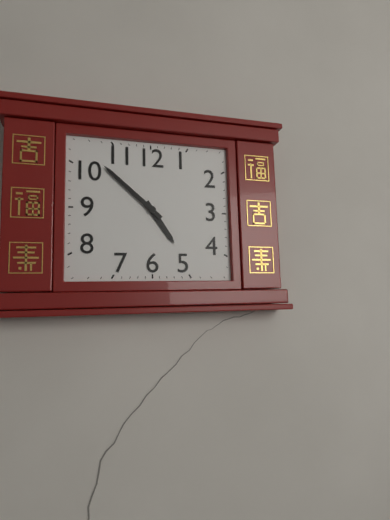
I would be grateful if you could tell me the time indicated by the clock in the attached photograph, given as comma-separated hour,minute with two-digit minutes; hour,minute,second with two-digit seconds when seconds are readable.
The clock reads 4,52
